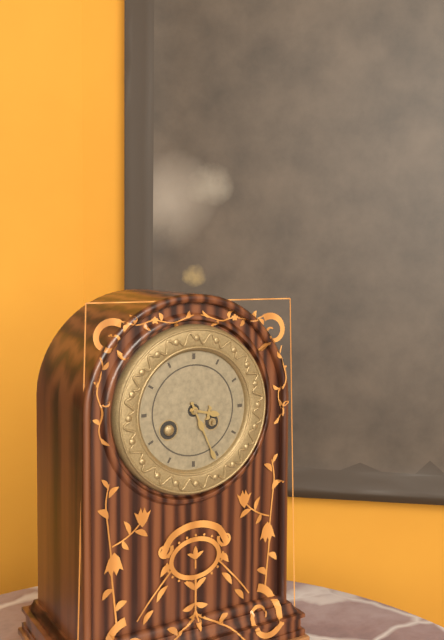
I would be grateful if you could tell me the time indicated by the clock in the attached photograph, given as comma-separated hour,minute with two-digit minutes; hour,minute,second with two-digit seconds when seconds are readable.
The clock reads 3,26
